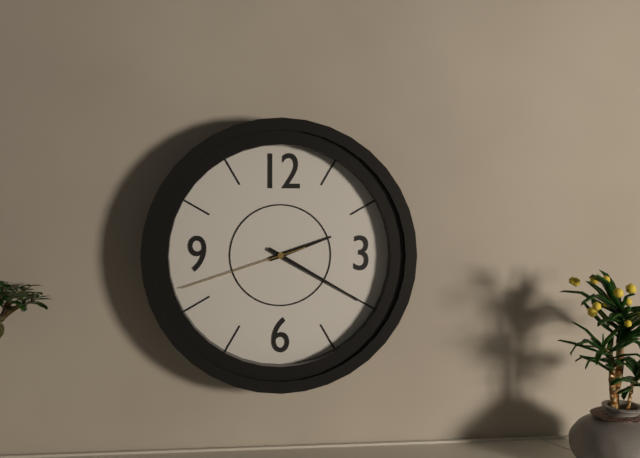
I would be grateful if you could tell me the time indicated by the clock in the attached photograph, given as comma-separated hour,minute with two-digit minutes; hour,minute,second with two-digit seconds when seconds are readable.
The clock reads 2,20,42
